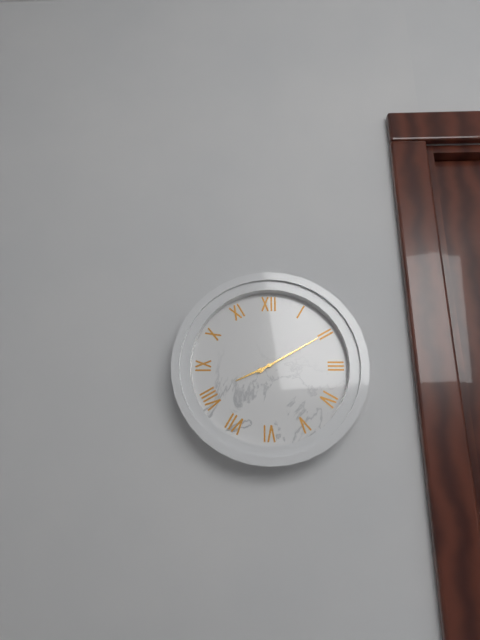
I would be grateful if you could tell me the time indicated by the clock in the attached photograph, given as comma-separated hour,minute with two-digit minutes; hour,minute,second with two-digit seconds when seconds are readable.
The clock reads 8,10
